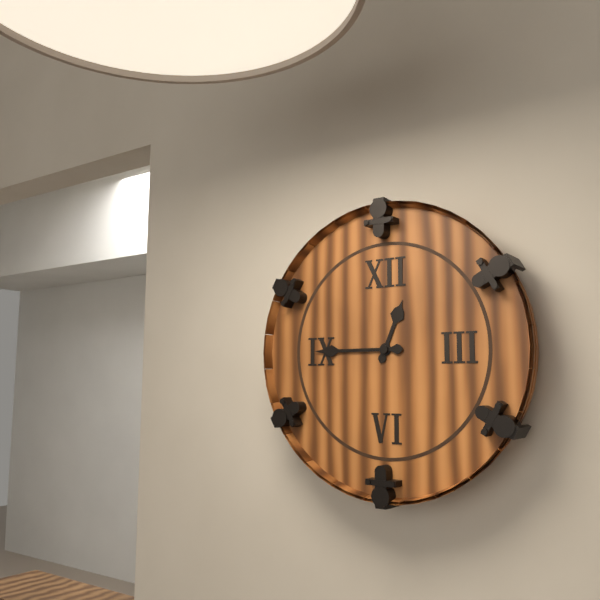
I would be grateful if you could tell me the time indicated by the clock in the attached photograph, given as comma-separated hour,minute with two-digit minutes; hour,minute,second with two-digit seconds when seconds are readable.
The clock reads 12,45
